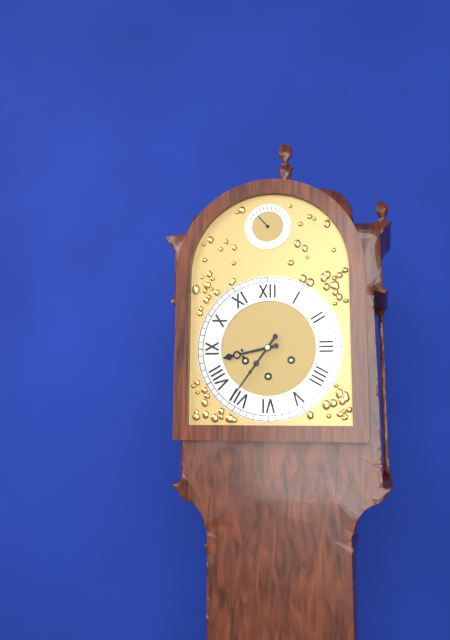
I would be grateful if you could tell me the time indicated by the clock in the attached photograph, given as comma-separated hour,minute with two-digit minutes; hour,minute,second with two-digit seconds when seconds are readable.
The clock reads 8,36
